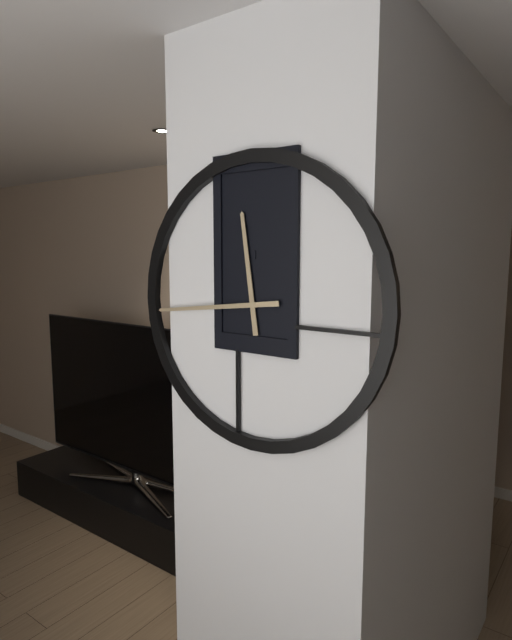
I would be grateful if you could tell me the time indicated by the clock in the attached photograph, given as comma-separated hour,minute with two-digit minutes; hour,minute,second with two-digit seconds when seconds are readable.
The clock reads 11,44
